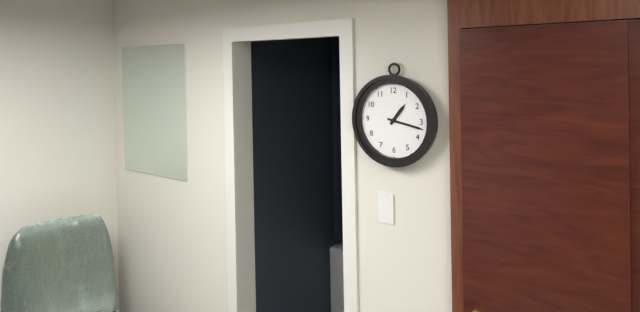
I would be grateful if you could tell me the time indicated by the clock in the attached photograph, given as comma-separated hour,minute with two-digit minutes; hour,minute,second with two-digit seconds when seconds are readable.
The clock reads 1,17
